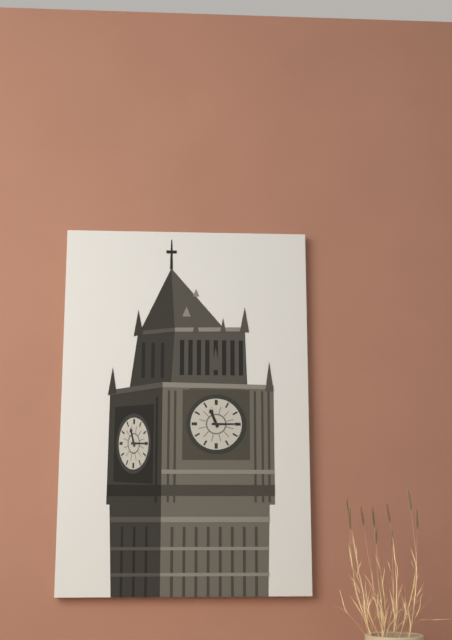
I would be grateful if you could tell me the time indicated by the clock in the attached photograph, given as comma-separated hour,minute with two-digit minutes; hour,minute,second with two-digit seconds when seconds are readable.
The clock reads 11,15
